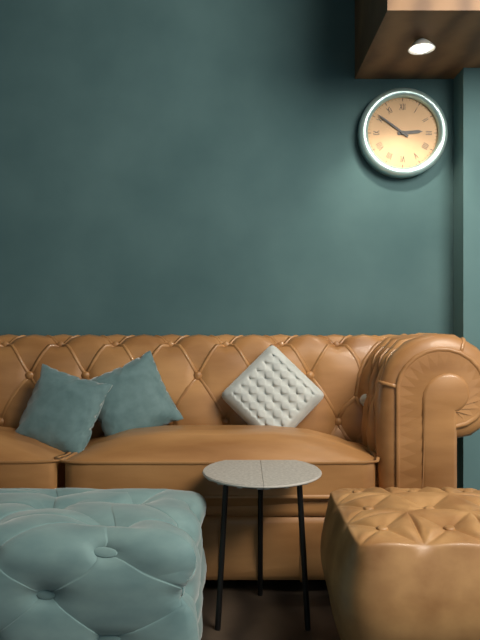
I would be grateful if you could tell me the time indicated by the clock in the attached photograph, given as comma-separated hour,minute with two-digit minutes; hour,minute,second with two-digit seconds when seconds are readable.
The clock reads 2,51
